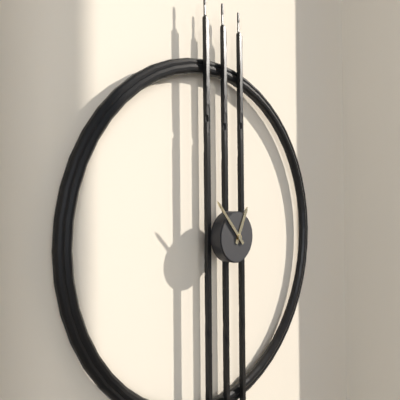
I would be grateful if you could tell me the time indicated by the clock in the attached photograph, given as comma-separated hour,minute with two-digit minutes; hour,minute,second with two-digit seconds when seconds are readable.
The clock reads 12,53
